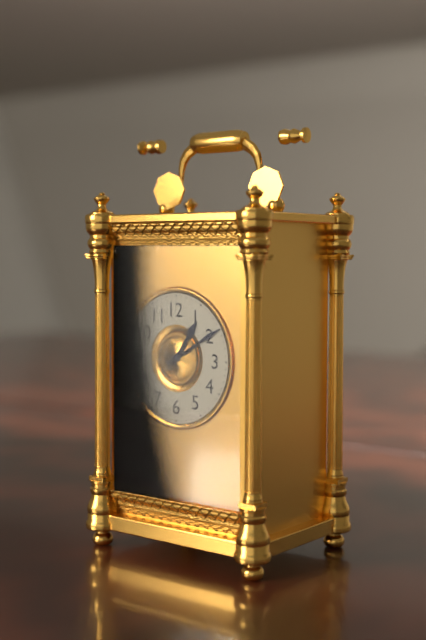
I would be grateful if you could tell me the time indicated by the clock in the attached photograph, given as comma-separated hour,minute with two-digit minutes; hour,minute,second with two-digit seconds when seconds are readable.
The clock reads 1,10
